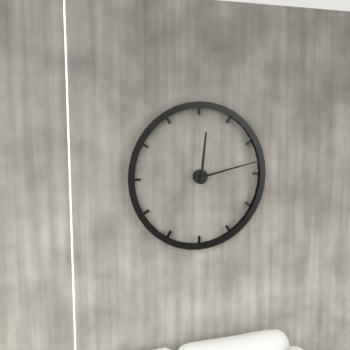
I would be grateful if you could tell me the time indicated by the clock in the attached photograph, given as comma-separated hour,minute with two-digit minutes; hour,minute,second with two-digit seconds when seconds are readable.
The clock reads 12,13
